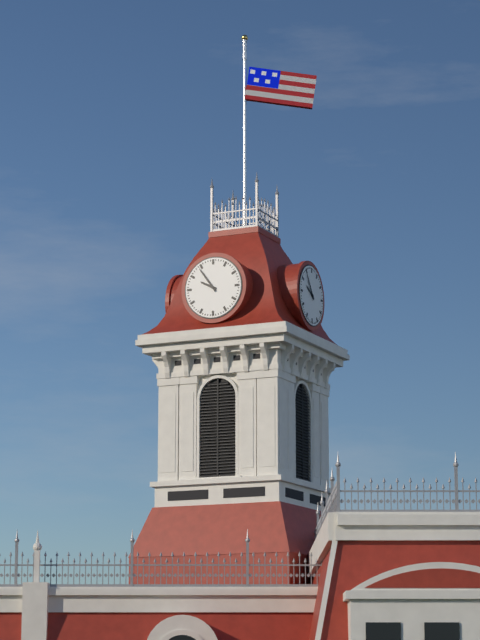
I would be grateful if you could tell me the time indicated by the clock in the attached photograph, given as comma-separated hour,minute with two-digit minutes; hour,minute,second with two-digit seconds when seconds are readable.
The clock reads 9,54
